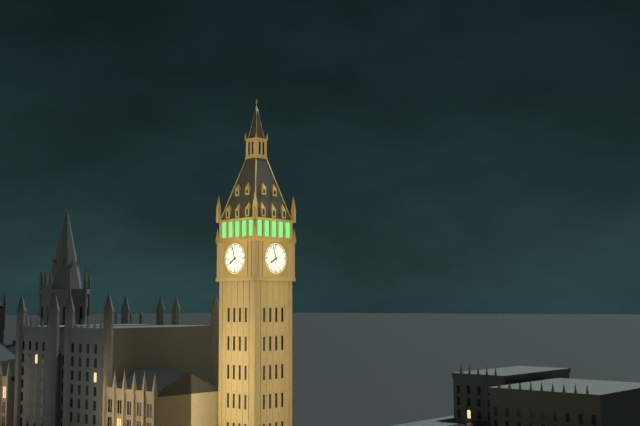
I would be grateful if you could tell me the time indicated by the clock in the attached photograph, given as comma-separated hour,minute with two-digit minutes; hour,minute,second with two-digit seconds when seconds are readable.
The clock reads 7,57
